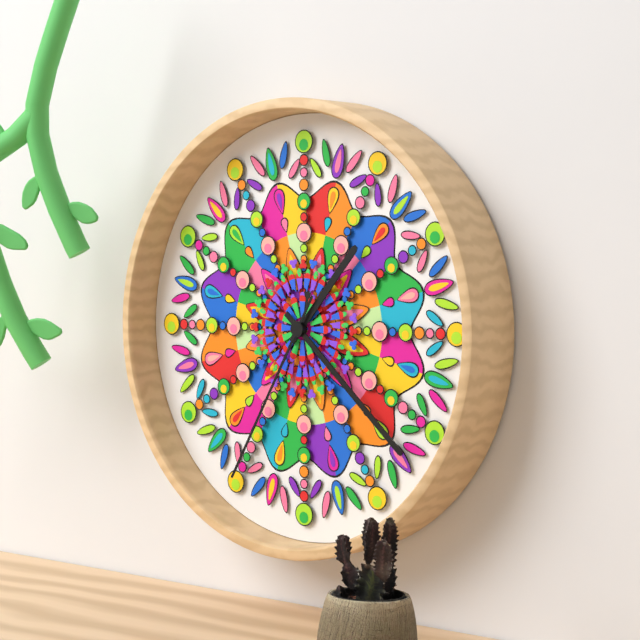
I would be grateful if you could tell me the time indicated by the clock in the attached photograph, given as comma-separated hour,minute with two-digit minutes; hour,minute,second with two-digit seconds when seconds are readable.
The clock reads 1,22,35
